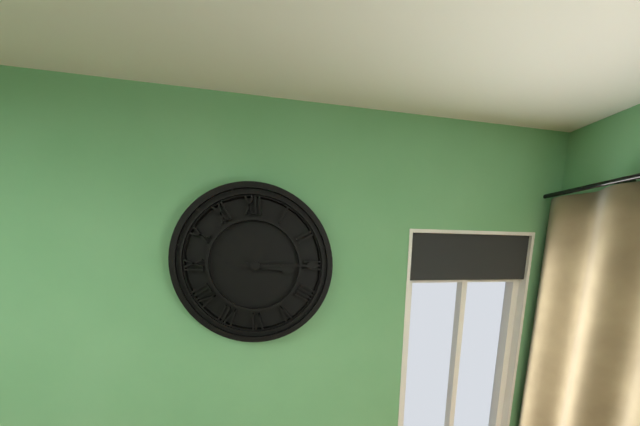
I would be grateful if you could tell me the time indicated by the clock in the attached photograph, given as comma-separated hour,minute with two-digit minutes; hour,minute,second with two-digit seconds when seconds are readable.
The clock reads 3,15
